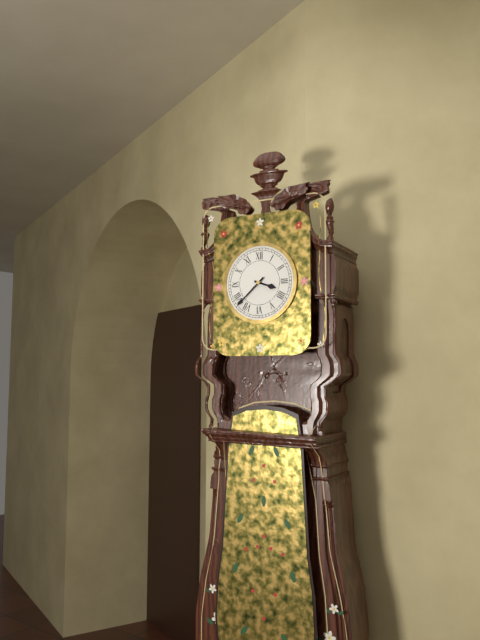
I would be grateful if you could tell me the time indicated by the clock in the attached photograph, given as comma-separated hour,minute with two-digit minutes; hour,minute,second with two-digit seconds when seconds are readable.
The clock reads 3,38
